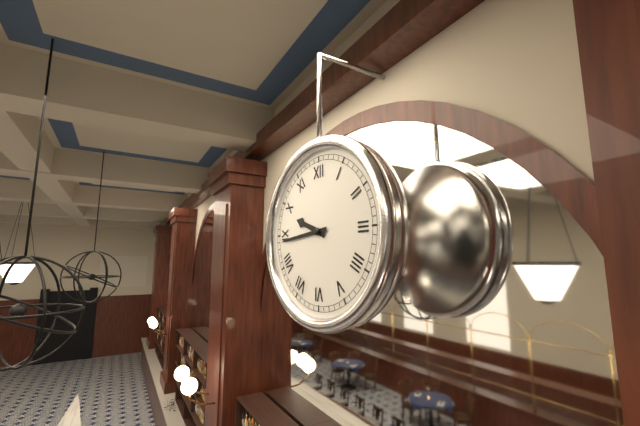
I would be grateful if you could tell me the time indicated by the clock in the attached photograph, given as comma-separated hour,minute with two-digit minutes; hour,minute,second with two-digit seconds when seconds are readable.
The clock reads 9,44
